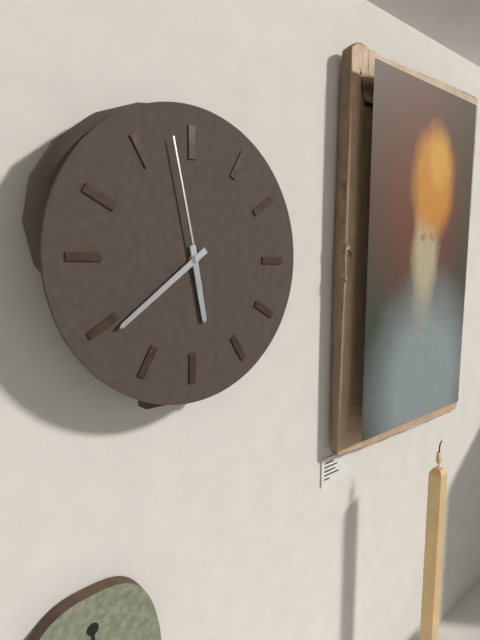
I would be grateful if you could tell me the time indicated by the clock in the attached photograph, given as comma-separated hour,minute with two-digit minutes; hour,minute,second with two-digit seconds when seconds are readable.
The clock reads 5,39,58
